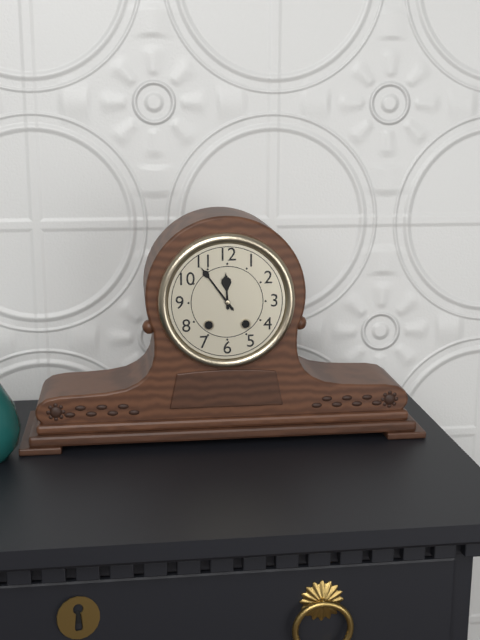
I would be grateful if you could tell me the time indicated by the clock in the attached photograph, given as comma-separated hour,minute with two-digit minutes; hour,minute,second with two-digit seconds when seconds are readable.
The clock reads 11,54
